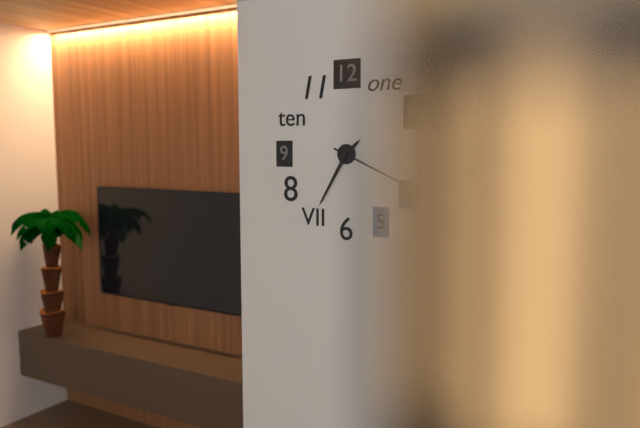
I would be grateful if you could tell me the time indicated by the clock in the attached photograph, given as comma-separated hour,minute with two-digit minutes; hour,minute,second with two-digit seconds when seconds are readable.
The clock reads 1,35
